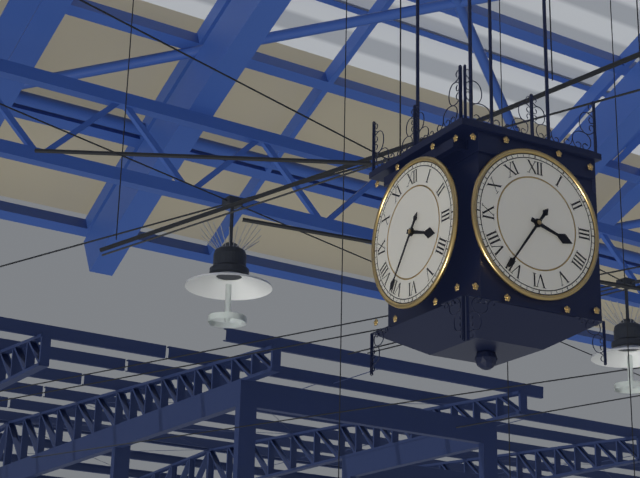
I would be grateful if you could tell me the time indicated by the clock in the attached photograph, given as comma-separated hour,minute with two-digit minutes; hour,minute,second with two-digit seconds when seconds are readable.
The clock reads 3,36
